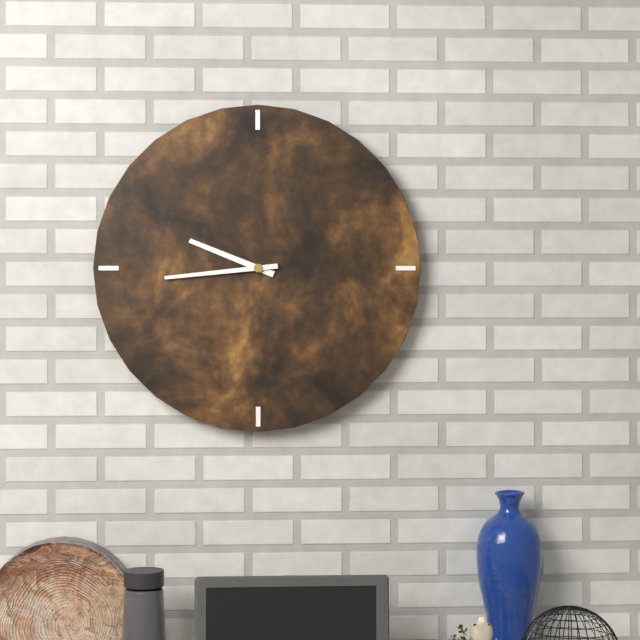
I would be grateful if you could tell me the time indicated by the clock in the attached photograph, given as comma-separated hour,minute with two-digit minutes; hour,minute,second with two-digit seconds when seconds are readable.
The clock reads 9,44
